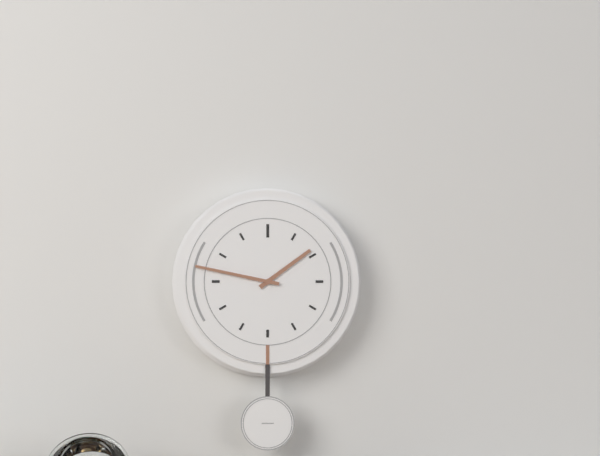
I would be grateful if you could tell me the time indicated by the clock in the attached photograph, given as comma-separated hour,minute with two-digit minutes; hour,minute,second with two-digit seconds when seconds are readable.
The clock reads 1,47
